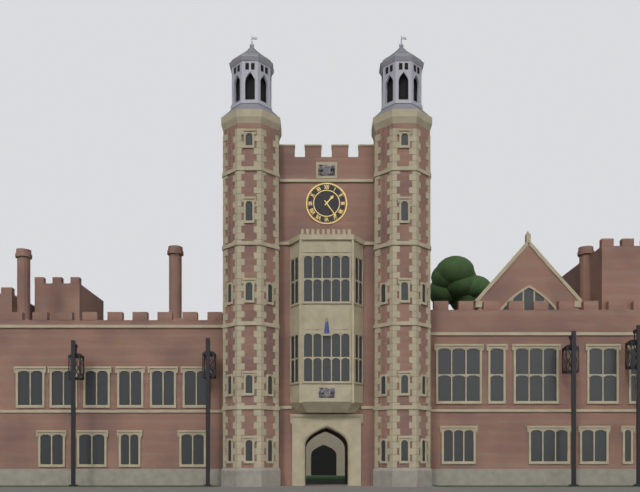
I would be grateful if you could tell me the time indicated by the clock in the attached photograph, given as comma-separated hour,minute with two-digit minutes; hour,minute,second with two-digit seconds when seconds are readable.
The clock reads 1,24
